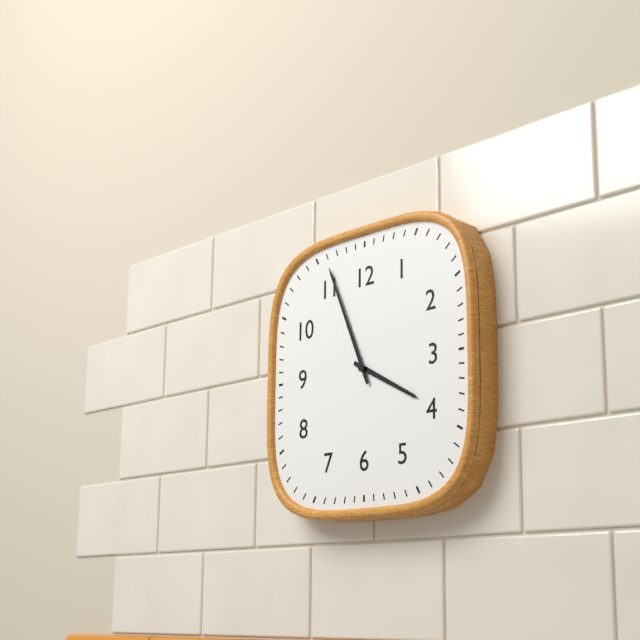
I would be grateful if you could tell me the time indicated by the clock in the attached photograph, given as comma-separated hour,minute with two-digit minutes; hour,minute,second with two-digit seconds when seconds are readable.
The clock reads 3,56
